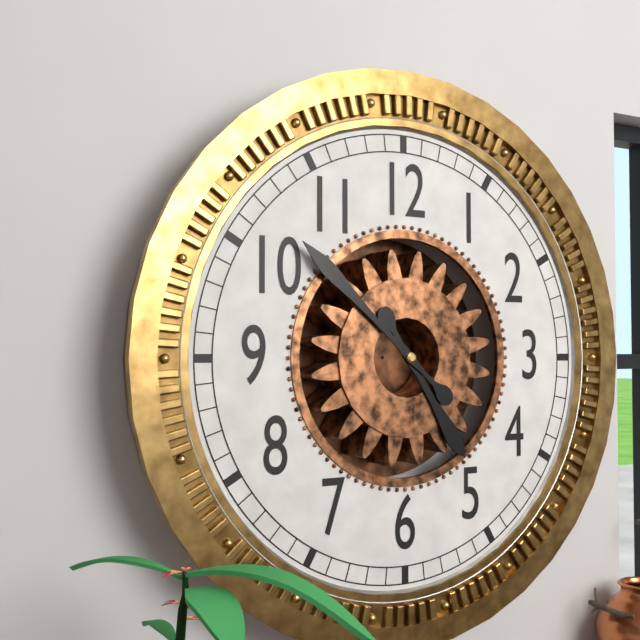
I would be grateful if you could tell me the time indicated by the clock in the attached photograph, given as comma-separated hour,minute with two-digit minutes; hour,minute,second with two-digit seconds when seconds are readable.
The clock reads 4,52
